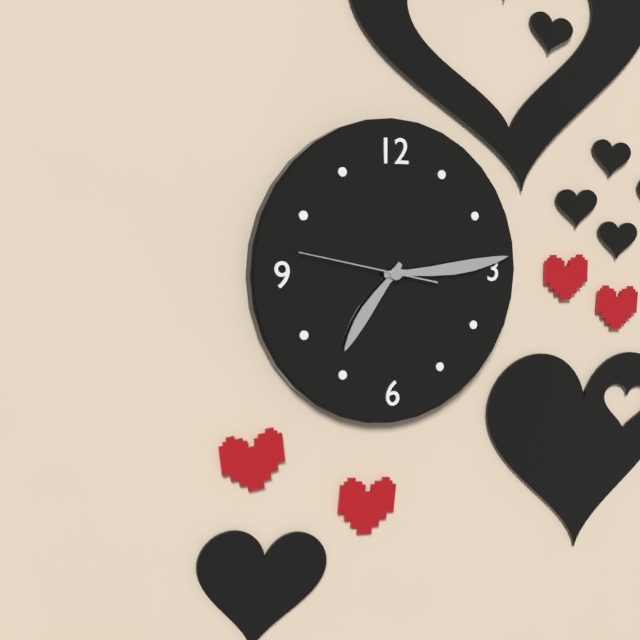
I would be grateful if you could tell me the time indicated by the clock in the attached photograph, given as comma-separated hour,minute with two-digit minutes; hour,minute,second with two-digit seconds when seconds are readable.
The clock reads 7,14,47
